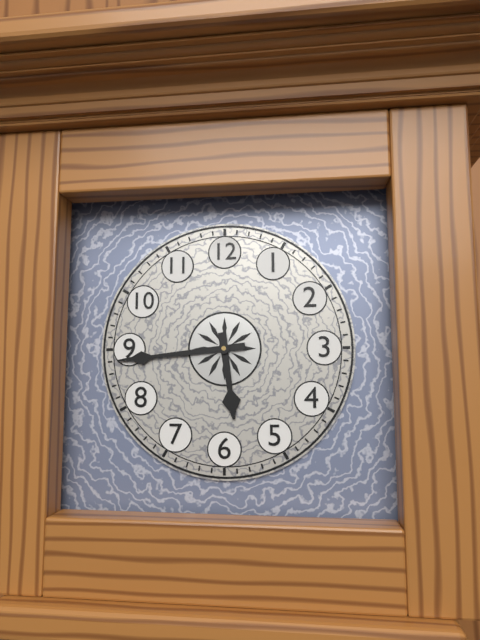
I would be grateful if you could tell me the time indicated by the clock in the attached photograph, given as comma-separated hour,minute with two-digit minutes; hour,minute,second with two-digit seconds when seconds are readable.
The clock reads 5,44
